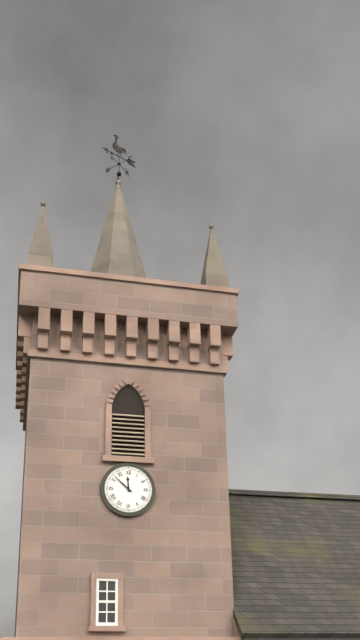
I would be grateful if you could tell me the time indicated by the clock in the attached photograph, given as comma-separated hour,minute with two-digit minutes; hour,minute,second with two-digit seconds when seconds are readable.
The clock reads 11,52
